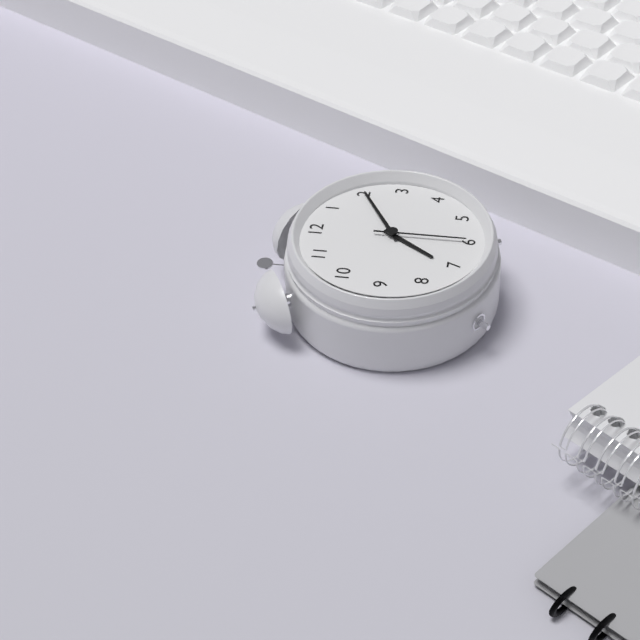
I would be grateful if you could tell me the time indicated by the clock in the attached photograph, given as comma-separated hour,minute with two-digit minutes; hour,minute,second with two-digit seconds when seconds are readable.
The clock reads 7,10,30
